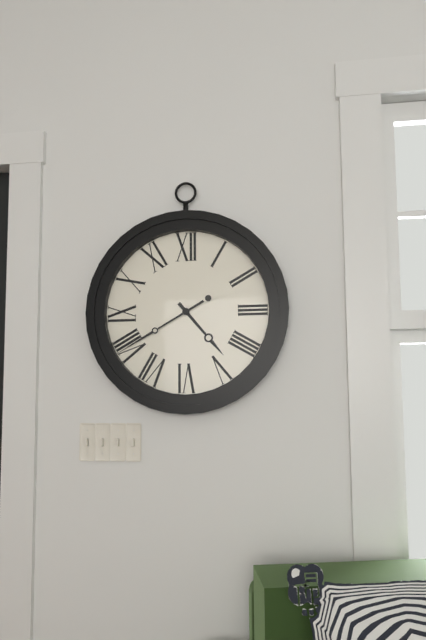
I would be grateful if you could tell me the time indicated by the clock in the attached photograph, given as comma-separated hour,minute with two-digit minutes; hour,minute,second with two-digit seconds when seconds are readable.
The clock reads 4,40
